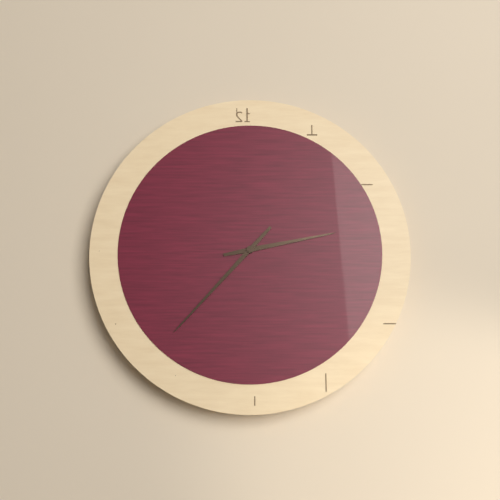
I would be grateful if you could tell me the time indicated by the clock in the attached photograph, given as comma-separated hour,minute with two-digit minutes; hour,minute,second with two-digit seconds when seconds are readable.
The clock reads 2,37
